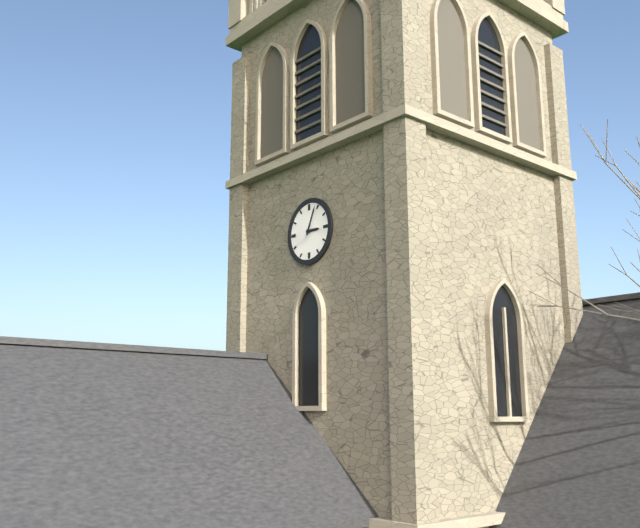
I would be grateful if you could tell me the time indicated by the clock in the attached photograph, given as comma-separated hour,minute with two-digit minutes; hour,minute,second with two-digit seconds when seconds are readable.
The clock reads 3,04
